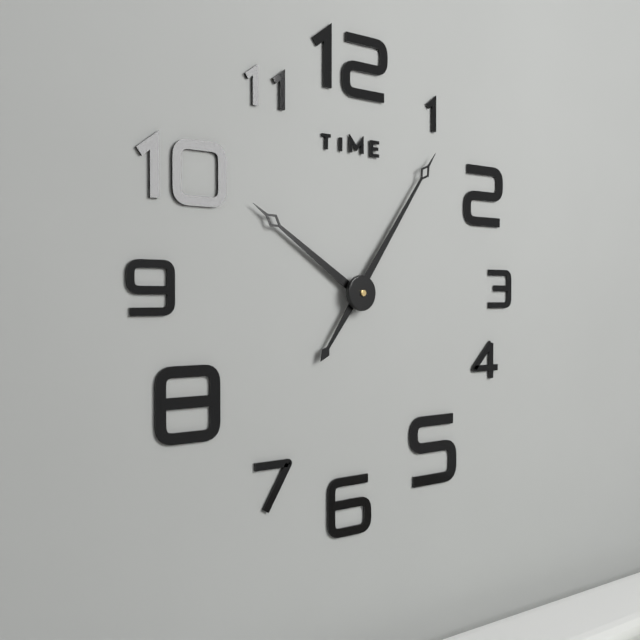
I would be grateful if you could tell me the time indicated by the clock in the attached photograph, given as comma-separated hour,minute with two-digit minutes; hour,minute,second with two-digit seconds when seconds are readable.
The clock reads 10,06
